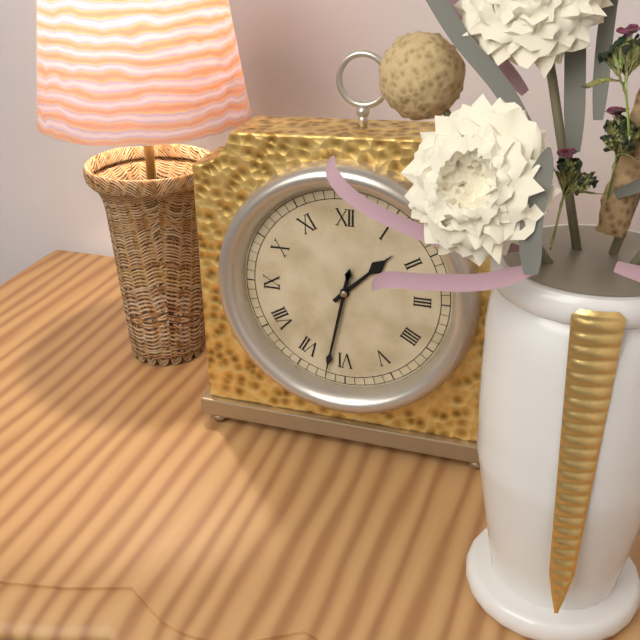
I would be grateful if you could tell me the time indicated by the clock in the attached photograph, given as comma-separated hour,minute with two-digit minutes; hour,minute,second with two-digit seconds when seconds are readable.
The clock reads 1,32
